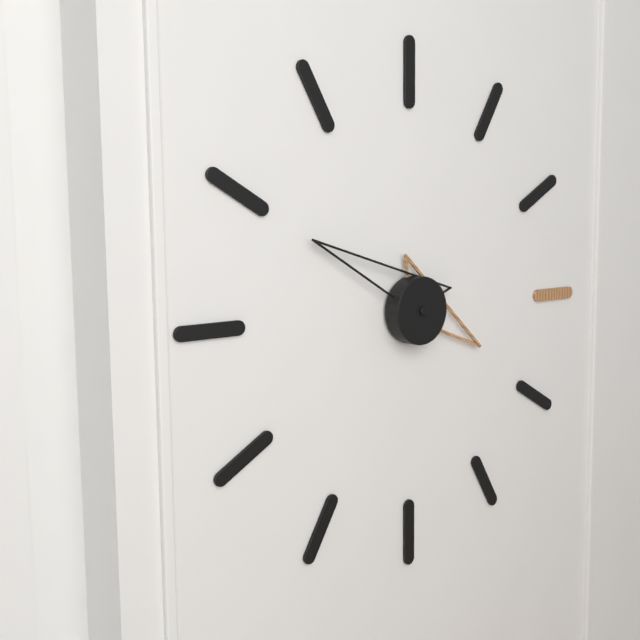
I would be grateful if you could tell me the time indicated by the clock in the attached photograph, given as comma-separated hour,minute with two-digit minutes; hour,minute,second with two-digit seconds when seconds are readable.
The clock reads 3,50
